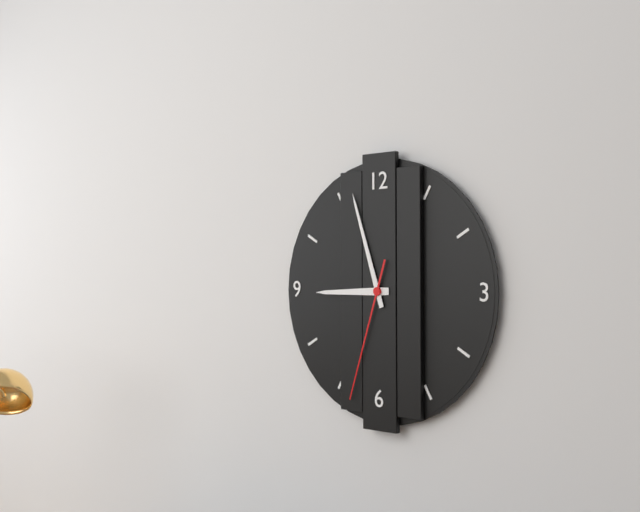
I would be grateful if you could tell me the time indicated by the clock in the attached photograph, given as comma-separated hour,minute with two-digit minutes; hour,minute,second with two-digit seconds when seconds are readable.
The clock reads 8,57,33
